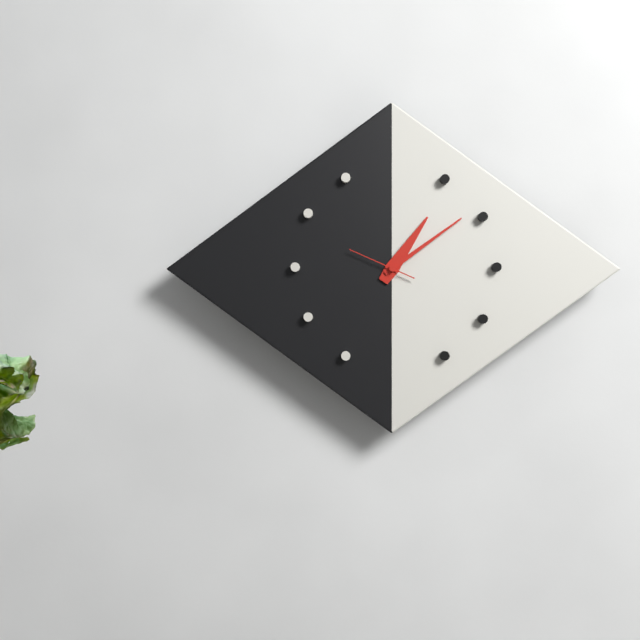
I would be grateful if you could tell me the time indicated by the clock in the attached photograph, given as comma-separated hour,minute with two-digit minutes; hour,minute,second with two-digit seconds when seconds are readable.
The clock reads 1,09,49
